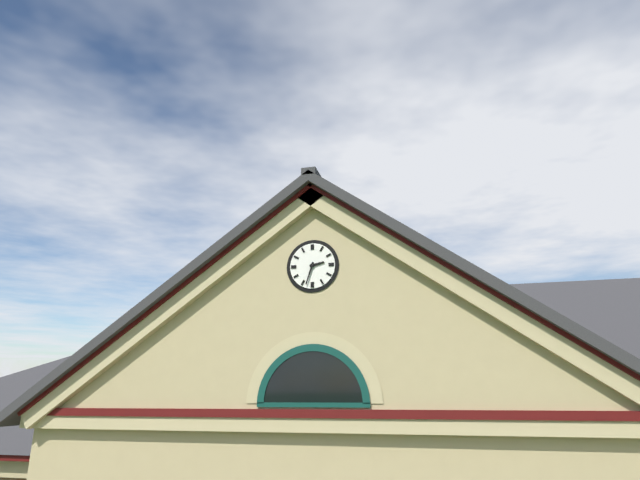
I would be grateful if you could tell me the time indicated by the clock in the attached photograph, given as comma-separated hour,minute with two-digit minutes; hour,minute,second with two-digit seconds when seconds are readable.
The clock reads 2,33
